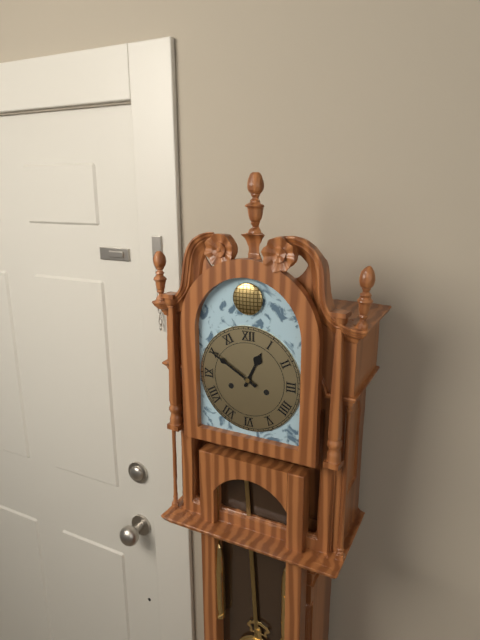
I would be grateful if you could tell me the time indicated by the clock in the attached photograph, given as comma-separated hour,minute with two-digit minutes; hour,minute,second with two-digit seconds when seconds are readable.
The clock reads 12,50
